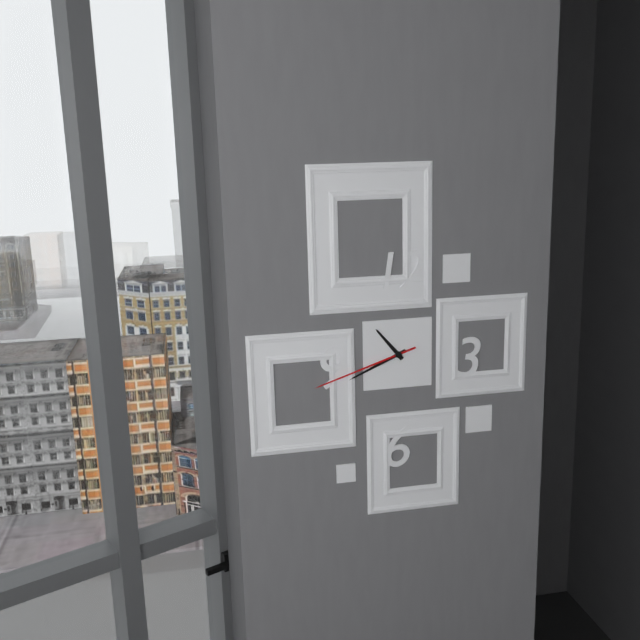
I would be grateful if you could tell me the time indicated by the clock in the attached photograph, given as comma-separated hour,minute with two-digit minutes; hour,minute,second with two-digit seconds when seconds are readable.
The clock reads 10,41,42
